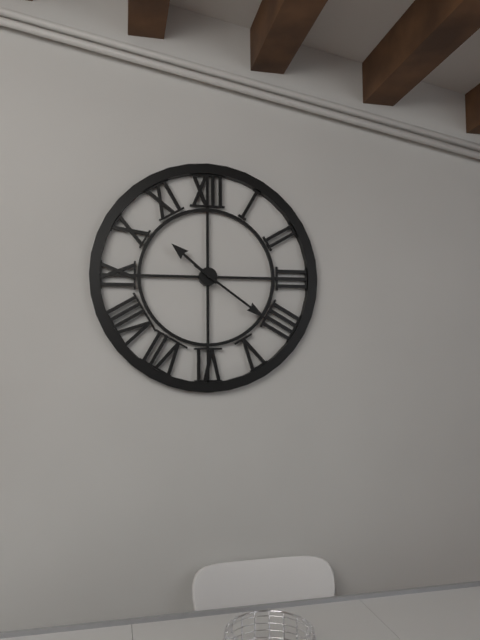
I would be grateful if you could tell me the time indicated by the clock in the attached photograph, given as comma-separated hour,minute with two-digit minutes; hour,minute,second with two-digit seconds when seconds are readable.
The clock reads 10,21
